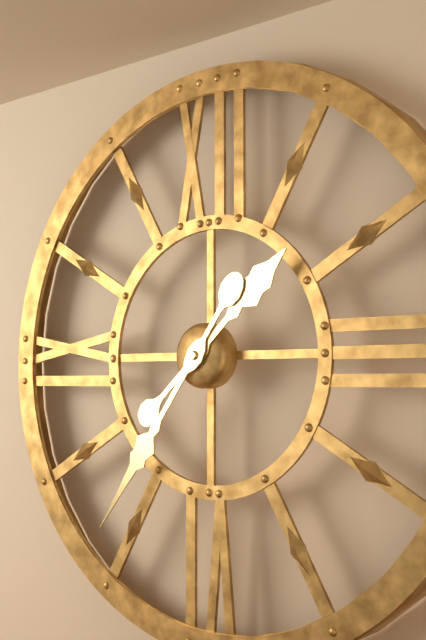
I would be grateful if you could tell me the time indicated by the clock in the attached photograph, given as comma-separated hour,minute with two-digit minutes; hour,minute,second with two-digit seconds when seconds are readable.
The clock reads 1,36
